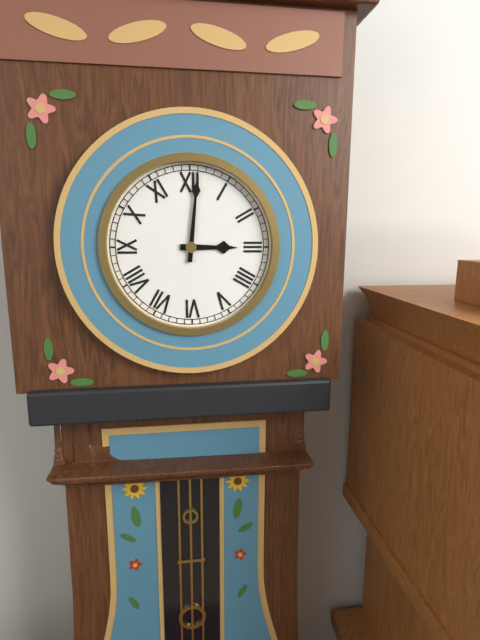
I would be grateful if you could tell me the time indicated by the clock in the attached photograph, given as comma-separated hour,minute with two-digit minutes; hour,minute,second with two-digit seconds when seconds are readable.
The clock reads 3,01
